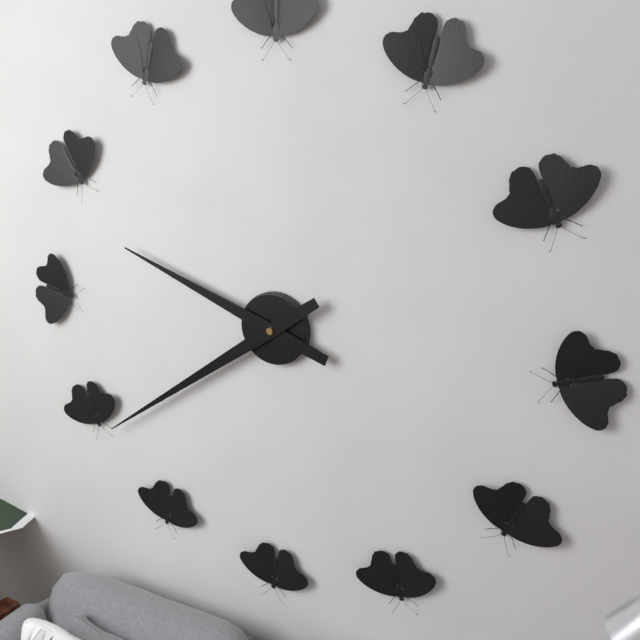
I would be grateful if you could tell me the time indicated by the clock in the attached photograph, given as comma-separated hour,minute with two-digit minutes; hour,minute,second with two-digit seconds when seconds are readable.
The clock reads 9,39
